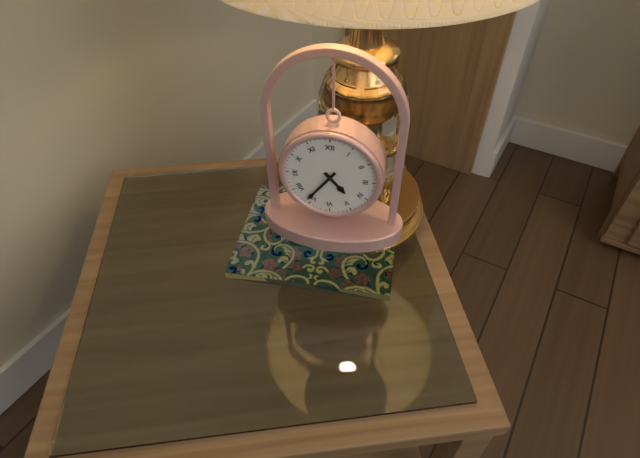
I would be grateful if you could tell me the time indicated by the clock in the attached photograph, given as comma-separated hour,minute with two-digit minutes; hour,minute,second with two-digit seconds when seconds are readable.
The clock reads 4,36
